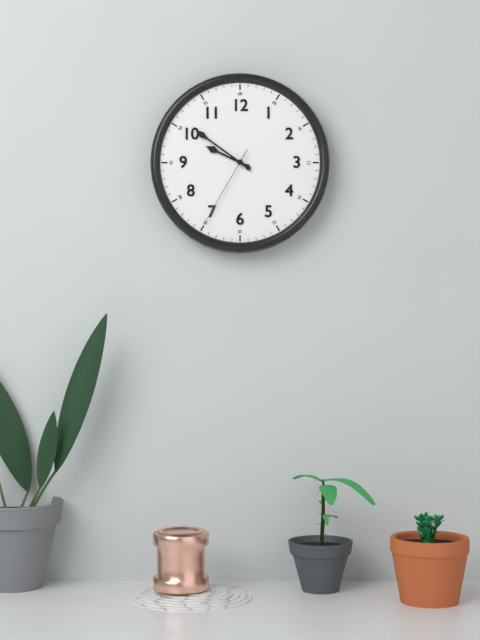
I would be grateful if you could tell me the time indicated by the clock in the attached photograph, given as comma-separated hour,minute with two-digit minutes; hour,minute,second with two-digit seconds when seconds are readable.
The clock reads 9,51,35
